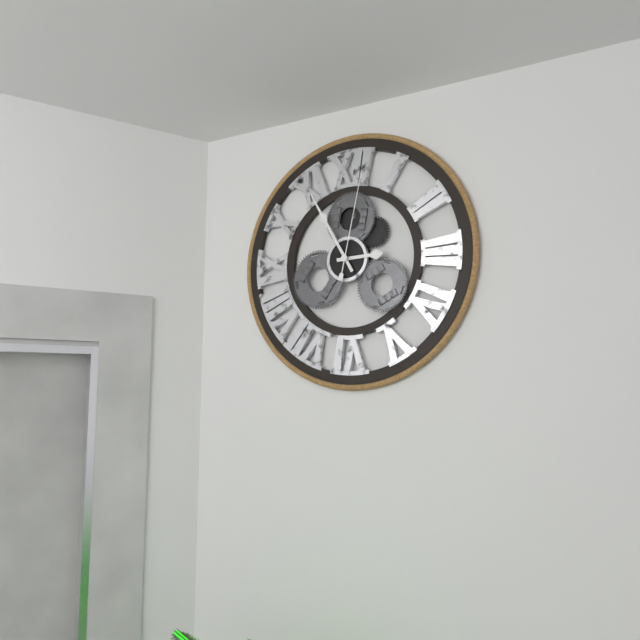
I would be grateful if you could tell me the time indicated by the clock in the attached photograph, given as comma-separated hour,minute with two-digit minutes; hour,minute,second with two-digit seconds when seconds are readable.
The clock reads 2,55,02
